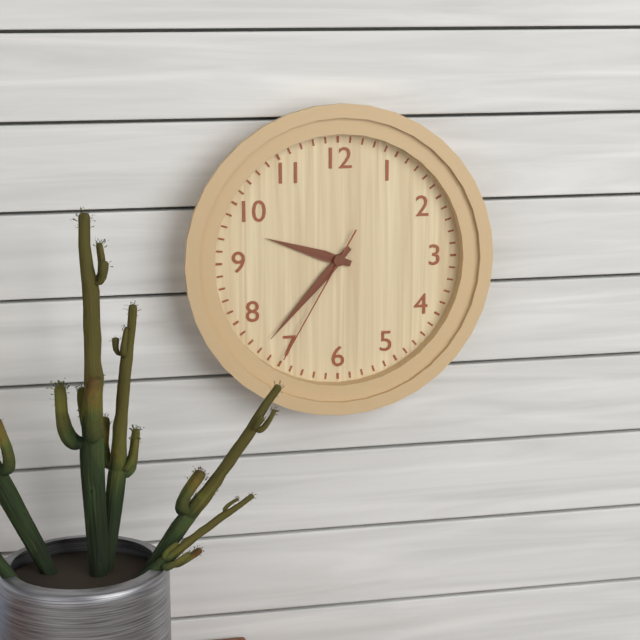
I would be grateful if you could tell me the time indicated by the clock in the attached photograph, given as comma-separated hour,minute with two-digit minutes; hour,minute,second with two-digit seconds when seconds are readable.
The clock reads 9,37,35
